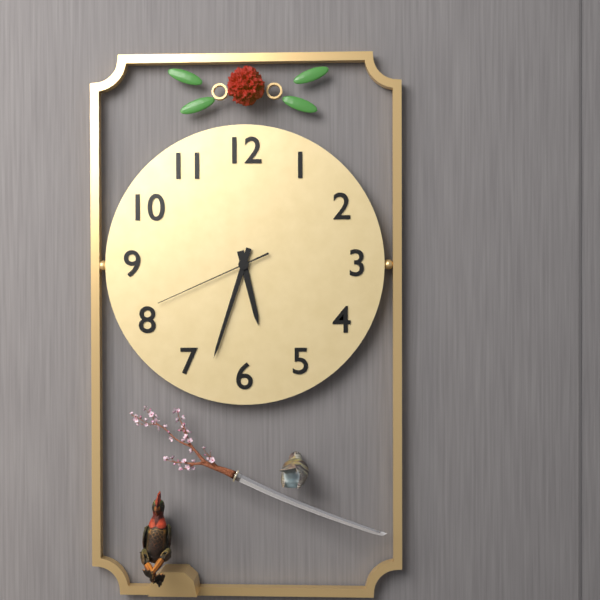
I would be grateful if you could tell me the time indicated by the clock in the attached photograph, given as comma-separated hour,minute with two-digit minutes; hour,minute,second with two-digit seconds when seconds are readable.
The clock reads 5,33,41
